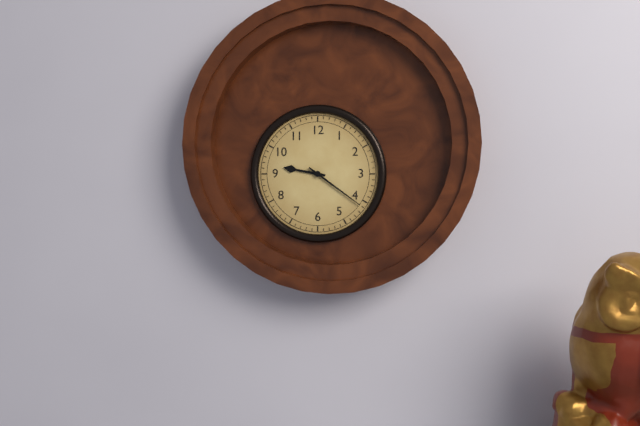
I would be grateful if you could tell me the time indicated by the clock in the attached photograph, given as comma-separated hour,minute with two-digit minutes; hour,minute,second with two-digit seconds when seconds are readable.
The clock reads 9,21
